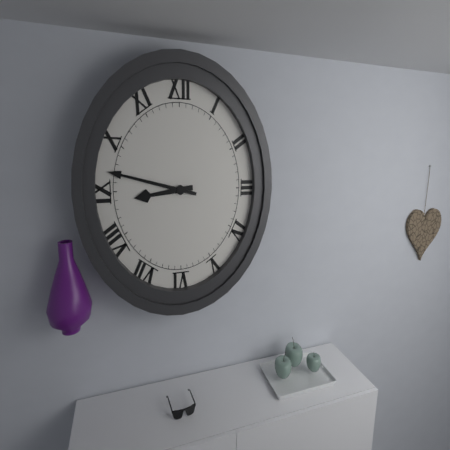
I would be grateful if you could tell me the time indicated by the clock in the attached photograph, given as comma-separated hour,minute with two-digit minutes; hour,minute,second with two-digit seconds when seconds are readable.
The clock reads 8,47
